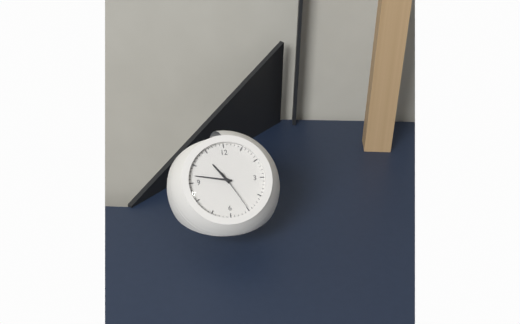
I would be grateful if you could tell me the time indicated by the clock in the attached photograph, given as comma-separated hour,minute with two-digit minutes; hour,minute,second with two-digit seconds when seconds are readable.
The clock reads 10,47
